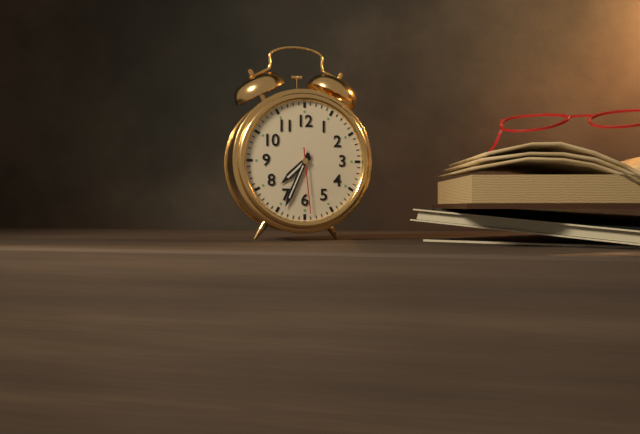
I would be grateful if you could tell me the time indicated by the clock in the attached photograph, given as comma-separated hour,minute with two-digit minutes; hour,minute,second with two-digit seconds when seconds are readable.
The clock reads 7,34,29
